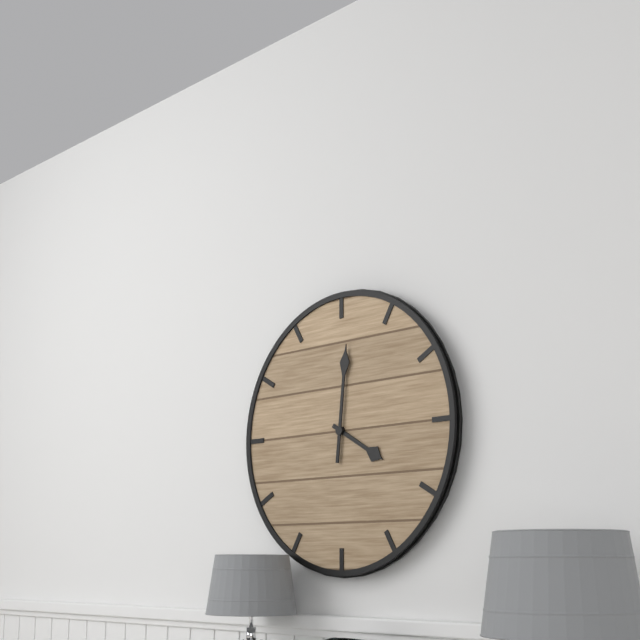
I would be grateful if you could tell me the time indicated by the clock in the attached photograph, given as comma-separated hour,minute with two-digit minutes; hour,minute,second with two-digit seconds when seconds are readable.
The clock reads 4,01
